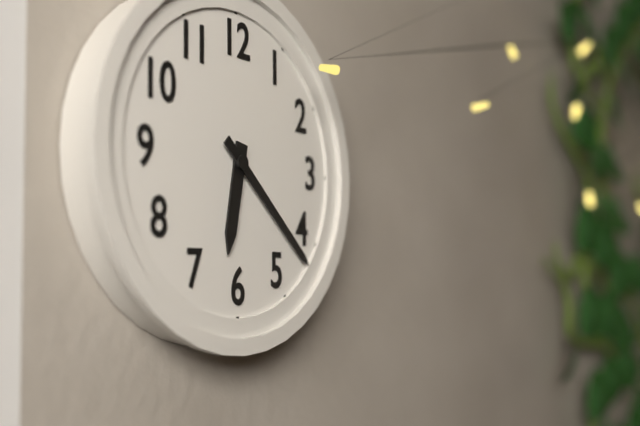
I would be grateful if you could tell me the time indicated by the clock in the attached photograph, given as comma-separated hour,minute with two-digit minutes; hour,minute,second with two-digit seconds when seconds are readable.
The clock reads 6,22
